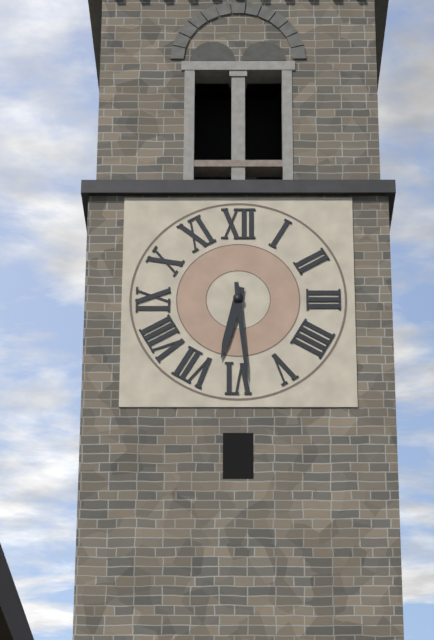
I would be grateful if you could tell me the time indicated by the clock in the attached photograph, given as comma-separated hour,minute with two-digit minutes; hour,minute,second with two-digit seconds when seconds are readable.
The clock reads 6,29
